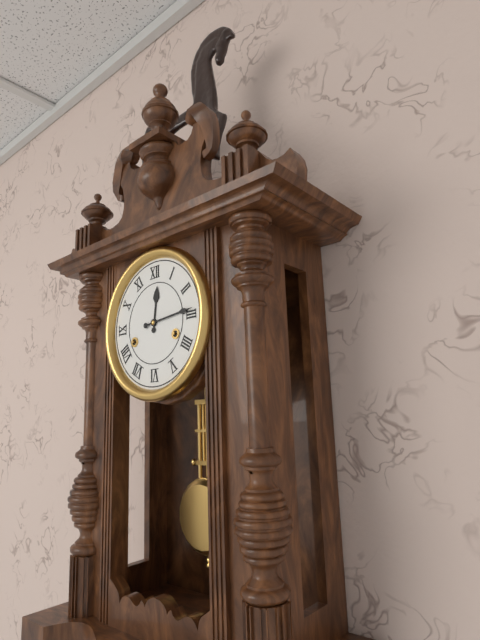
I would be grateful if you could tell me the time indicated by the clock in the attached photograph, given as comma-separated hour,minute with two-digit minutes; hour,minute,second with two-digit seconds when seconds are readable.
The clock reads 12,14
